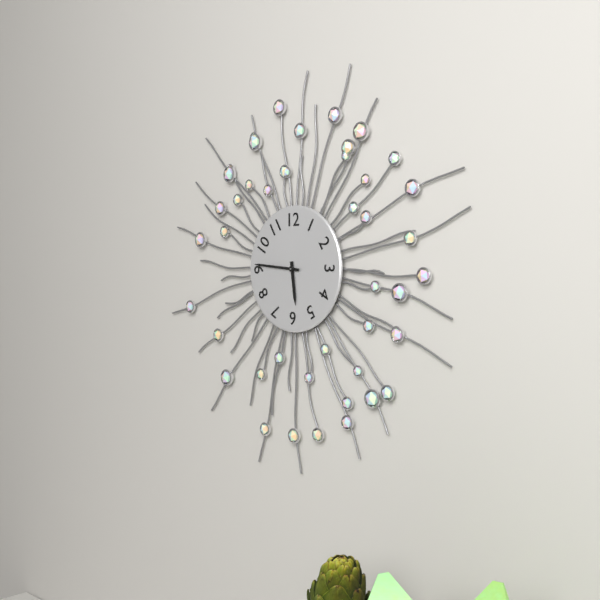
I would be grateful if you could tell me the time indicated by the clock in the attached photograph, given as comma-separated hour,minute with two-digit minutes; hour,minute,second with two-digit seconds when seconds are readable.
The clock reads 5,46
